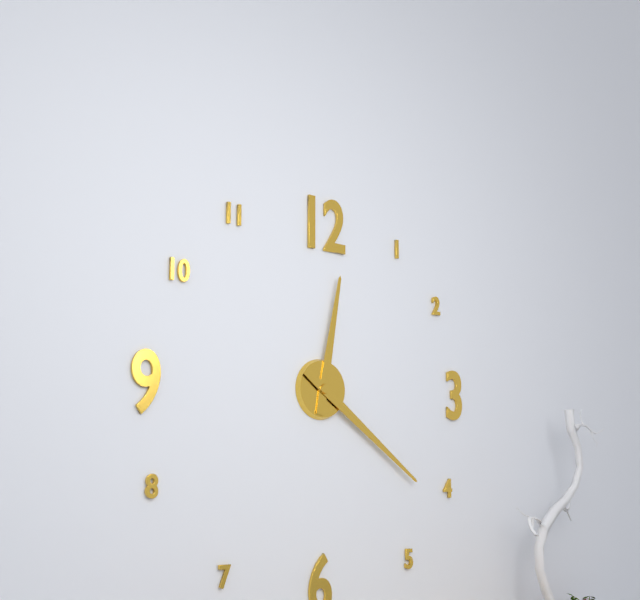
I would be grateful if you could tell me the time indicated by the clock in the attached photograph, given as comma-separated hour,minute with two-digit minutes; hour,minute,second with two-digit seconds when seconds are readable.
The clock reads 12,21
